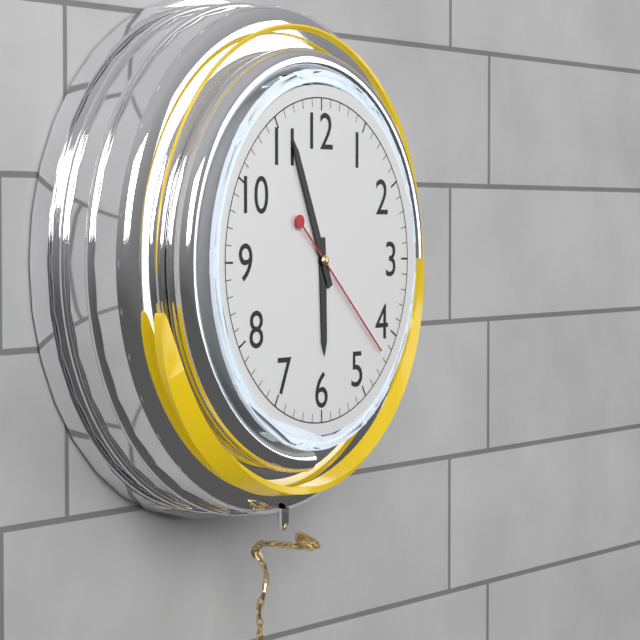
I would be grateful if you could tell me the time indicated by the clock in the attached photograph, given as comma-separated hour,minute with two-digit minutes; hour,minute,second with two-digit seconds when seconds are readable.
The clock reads 5,56,22
